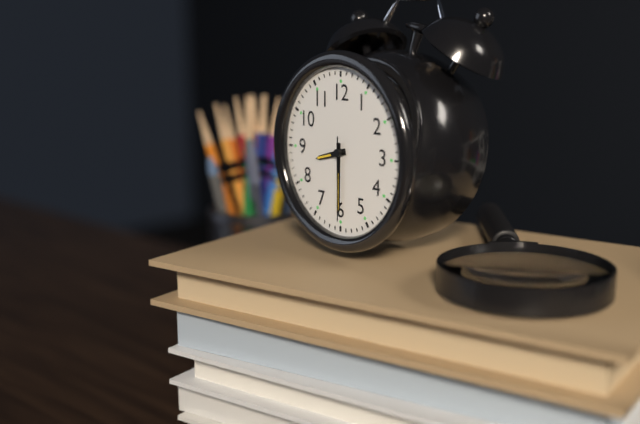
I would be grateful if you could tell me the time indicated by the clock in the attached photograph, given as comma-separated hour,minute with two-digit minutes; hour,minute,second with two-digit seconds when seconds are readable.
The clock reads 8,30,30
